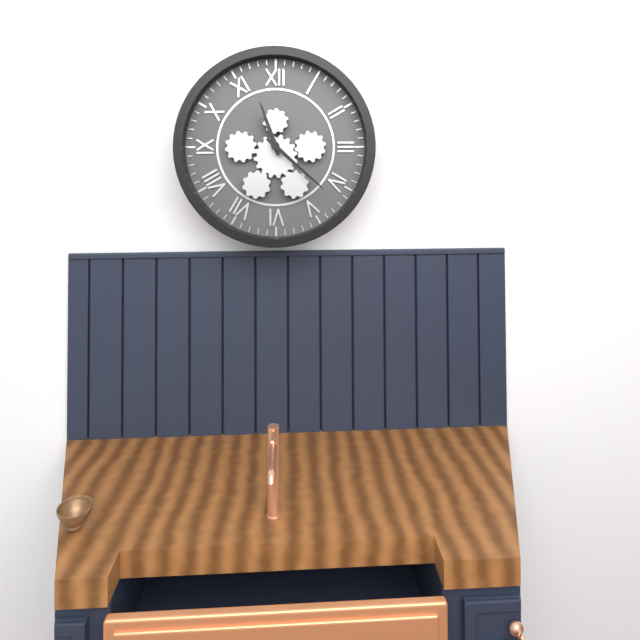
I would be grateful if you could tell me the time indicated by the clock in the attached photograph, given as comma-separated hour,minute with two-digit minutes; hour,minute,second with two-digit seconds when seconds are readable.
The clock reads 11,22
